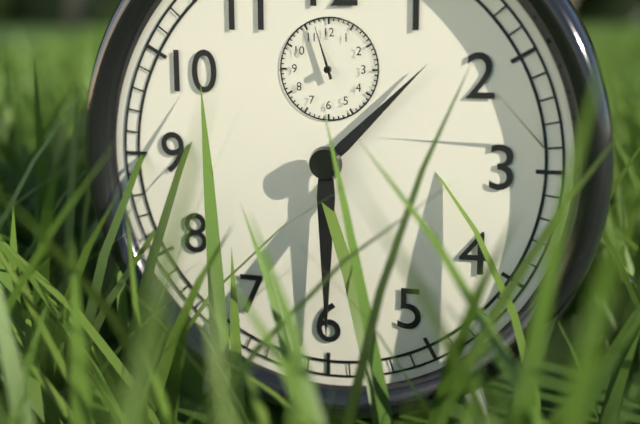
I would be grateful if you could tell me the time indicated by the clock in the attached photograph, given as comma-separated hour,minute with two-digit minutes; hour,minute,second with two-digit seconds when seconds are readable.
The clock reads 1,30,57
